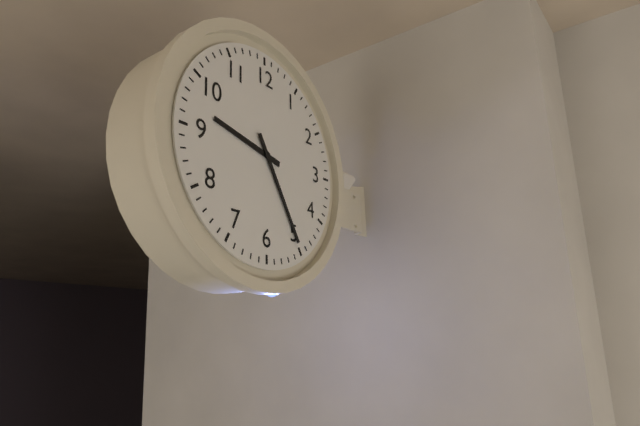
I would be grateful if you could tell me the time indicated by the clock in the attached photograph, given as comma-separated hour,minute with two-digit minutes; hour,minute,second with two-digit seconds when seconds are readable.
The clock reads 9,25
